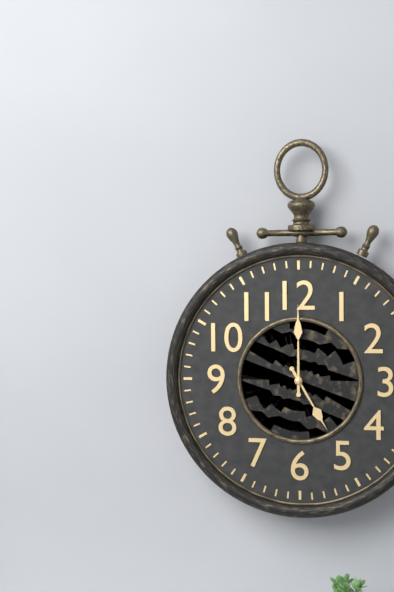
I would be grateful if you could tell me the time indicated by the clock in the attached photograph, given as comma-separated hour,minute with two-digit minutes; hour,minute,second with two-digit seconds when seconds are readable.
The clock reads 5,00
